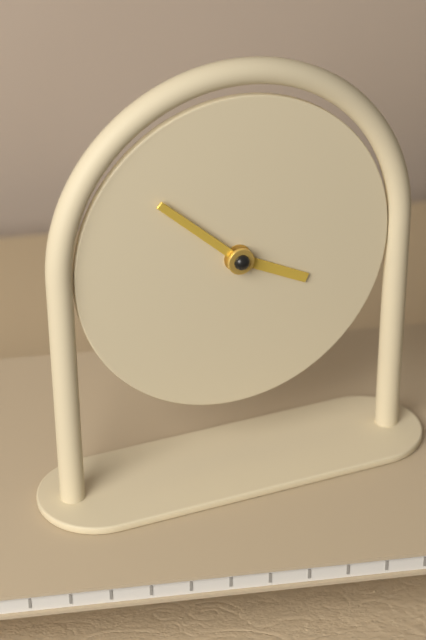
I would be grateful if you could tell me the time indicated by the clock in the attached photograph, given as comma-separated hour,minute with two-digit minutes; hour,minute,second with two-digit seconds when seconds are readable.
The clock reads 3,52
